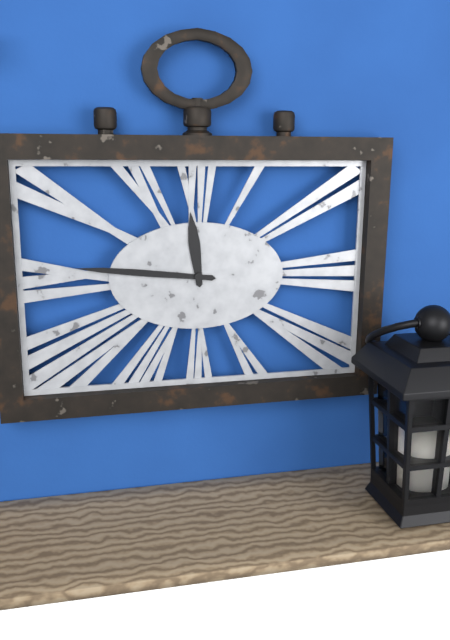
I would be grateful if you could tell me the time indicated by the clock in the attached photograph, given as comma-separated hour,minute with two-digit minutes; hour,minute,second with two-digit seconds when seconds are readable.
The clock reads 11,46
